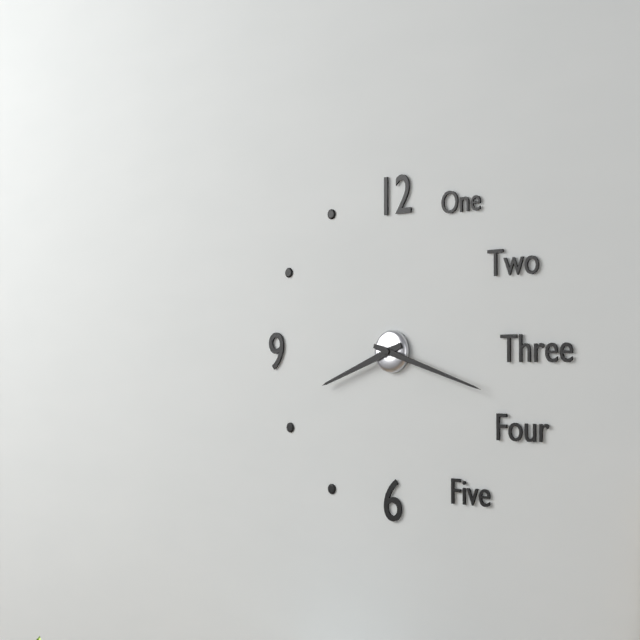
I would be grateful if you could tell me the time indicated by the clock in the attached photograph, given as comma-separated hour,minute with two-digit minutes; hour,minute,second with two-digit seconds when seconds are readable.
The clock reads 8,18
